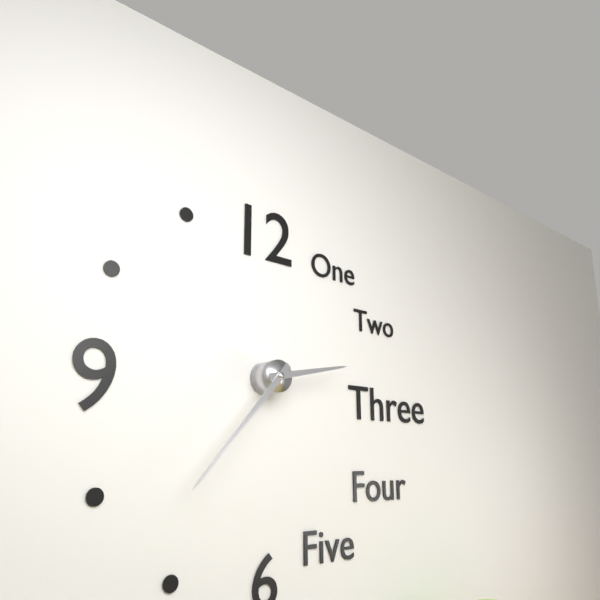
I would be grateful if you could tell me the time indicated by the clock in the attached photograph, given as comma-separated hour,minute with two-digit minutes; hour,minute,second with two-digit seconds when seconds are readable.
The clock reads 2,37
